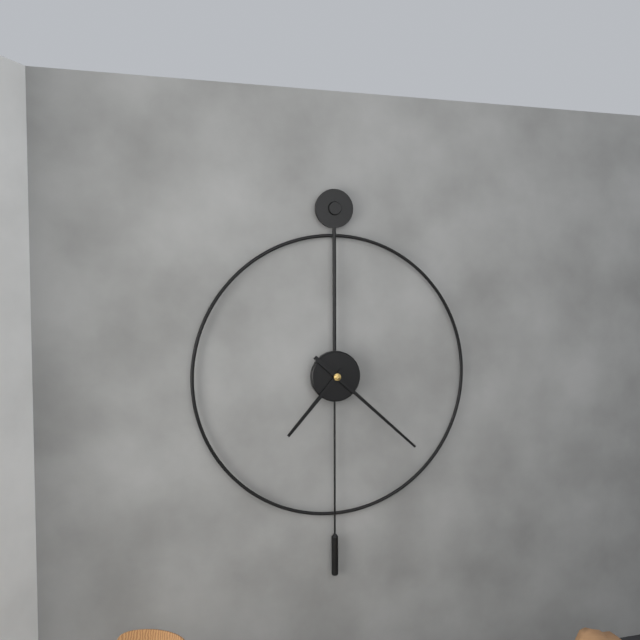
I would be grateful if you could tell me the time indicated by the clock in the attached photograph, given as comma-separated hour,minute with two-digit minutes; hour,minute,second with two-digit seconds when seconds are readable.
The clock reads 7,22
